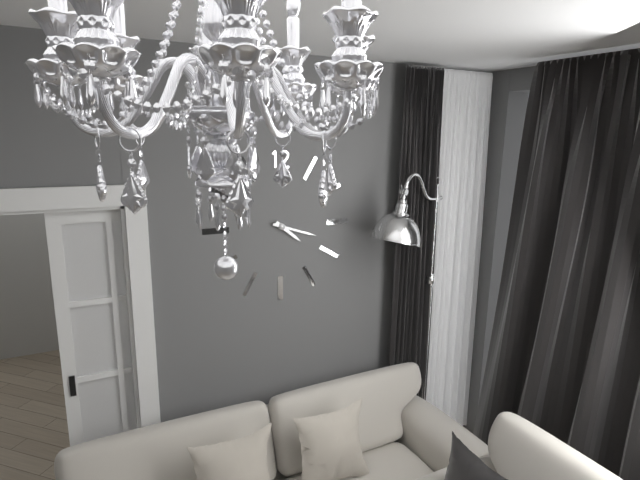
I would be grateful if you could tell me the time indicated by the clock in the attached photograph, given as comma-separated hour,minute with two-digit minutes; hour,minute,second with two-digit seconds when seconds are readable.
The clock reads 4,18
